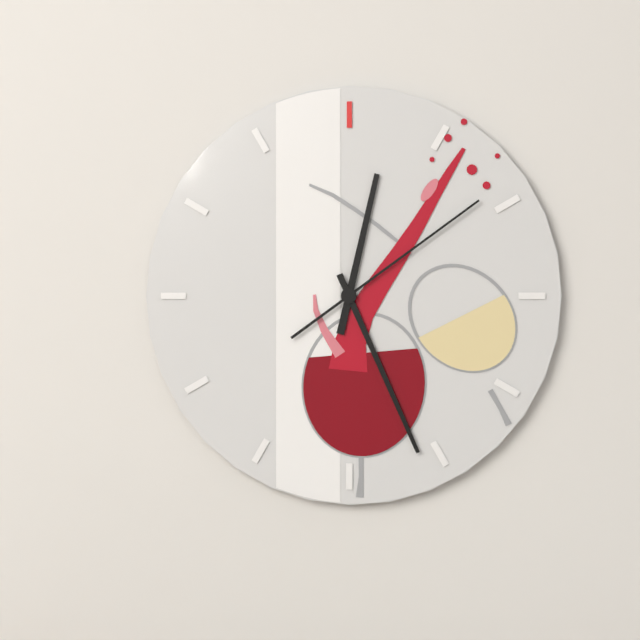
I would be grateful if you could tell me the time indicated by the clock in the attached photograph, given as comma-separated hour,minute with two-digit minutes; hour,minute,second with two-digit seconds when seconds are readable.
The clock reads 12,26,09
